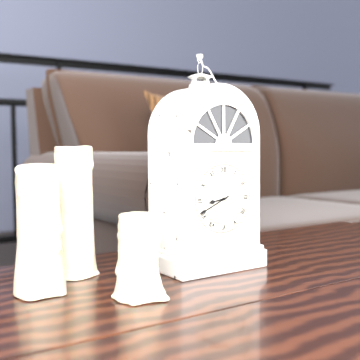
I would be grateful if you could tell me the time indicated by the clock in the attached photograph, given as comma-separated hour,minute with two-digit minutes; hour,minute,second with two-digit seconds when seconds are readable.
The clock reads 8,41
